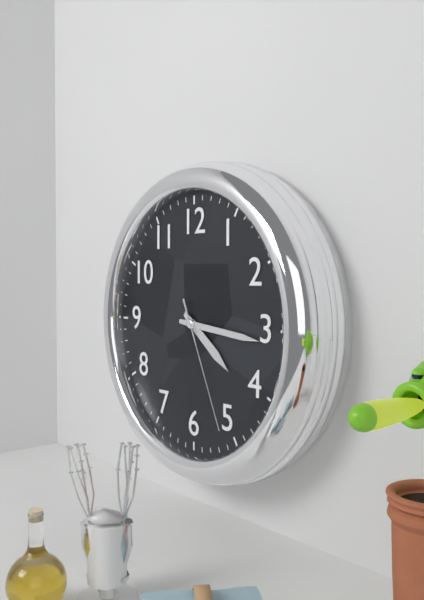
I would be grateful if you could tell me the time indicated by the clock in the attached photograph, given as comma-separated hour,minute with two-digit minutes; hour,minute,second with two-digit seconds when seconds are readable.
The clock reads 4,16,26
